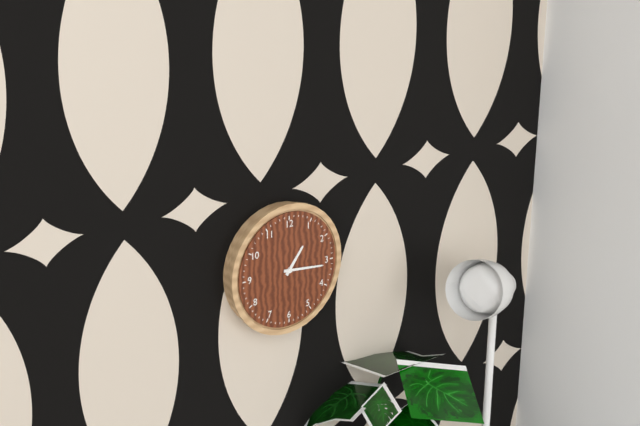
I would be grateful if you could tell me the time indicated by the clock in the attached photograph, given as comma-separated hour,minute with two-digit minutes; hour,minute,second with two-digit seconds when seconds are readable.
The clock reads 1,16
